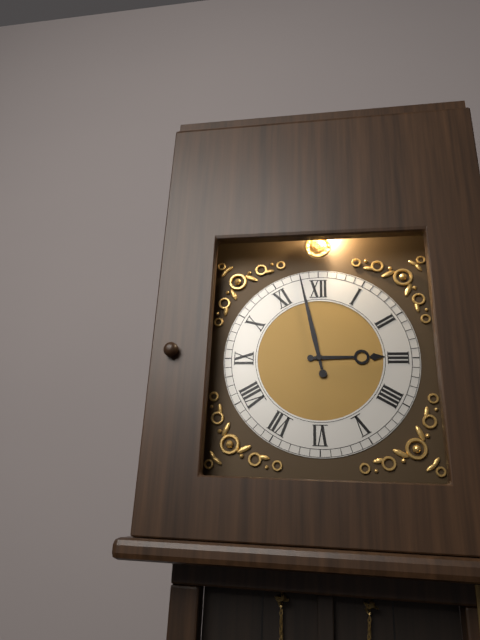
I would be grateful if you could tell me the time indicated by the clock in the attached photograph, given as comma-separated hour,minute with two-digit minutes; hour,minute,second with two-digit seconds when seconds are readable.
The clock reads 2,58
